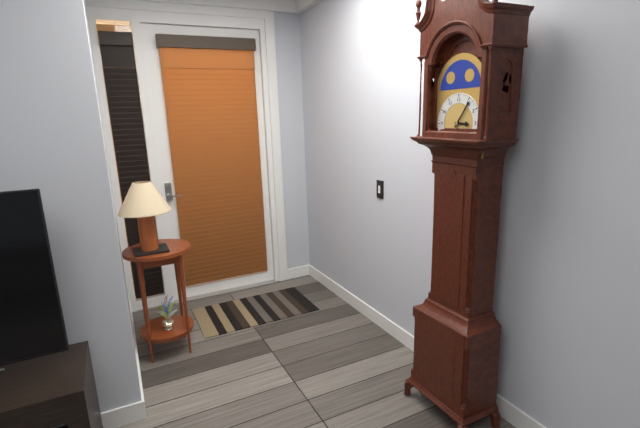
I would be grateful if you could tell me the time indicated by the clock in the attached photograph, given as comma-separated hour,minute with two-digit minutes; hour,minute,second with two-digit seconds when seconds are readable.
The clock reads 3,06
